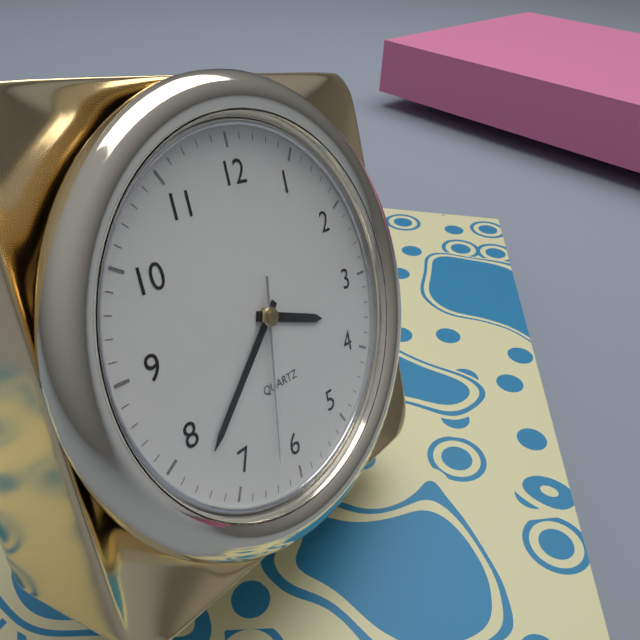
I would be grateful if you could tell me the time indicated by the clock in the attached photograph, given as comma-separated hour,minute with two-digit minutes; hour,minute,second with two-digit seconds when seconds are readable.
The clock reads 3,38,32
